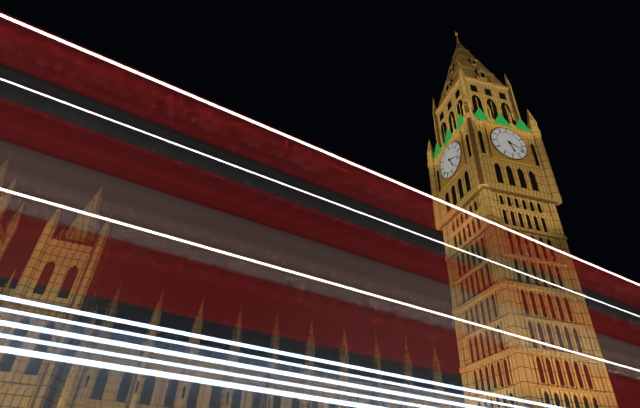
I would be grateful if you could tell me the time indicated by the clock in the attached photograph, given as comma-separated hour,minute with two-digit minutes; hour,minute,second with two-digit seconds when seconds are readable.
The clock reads 5,19
